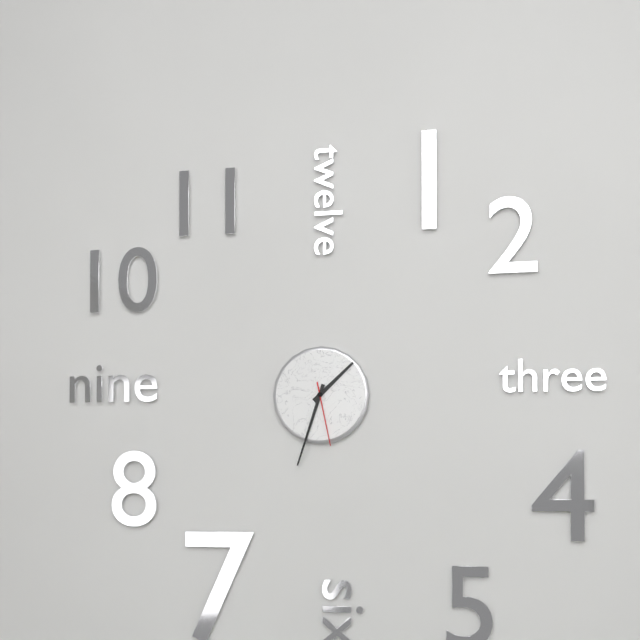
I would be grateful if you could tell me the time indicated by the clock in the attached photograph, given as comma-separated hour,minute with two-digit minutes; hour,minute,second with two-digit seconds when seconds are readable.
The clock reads 1,33,28
